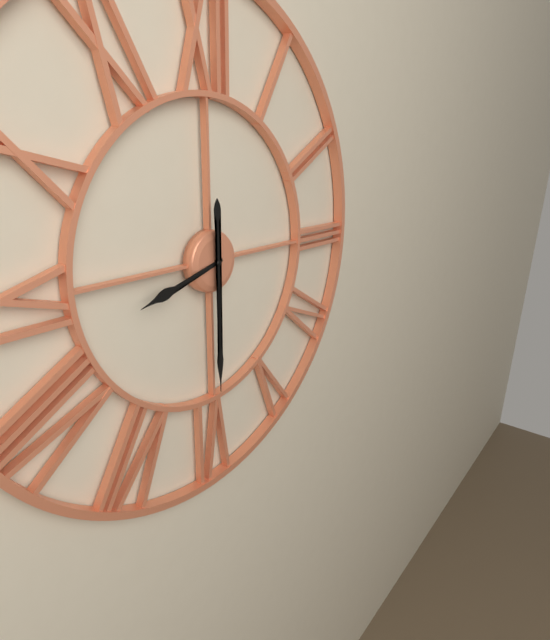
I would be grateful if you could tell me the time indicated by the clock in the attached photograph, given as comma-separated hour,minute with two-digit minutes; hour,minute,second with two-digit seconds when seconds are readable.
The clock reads 8,30
